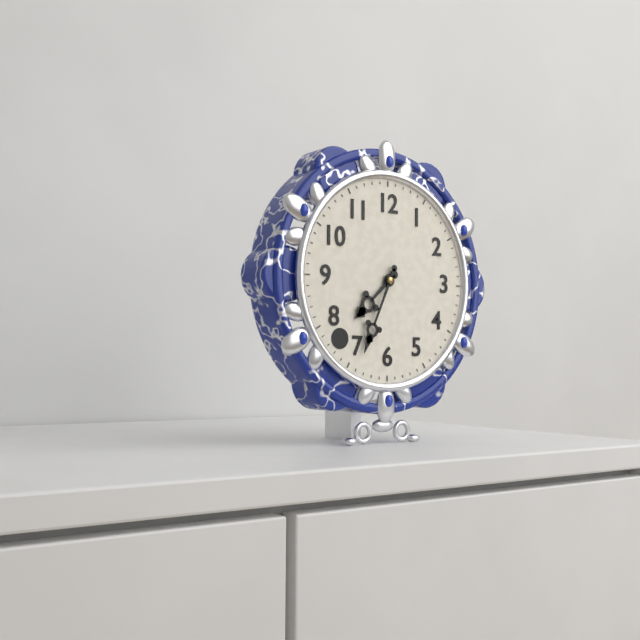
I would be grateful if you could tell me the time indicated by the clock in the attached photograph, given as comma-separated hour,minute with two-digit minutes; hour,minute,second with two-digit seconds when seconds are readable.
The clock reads 7,34
